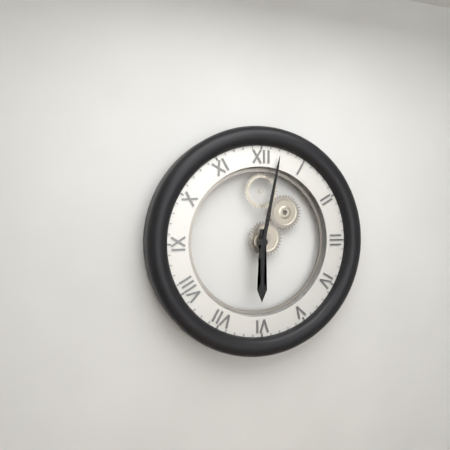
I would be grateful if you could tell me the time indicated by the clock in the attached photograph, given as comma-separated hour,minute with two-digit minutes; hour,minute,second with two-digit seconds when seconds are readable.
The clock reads 6,02
